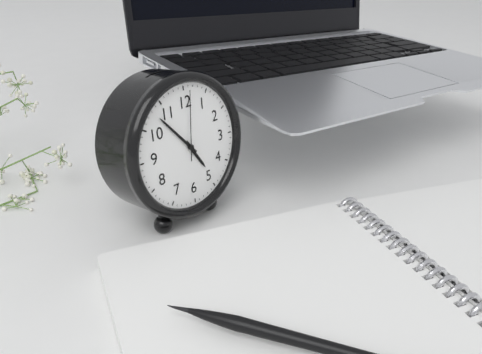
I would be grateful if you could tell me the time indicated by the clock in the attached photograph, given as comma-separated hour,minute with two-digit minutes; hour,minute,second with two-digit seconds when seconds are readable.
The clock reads 4,53,01
